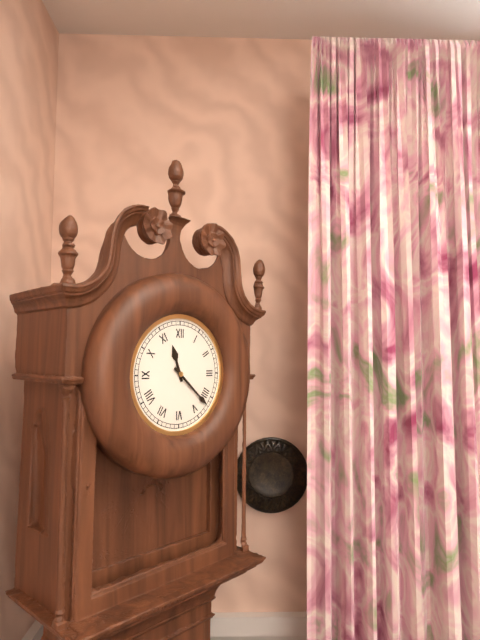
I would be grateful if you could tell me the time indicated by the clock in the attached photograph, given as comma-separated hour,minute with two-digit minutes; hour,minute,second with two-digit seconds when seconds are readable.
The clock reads 11,22
